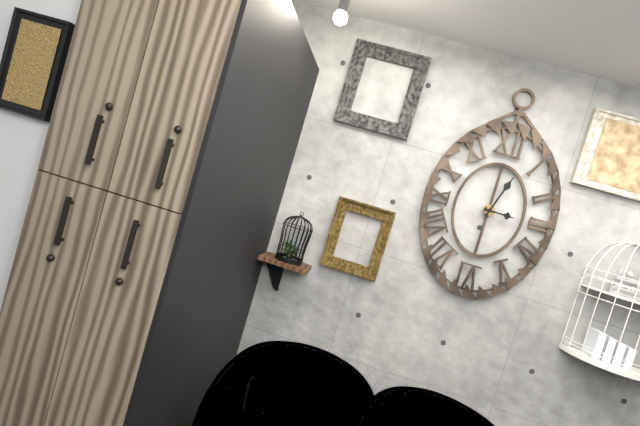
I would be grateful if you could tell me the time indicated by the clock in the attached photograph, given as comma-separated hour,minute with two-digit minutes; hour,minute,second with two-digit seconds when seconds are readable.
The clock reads 3,03
